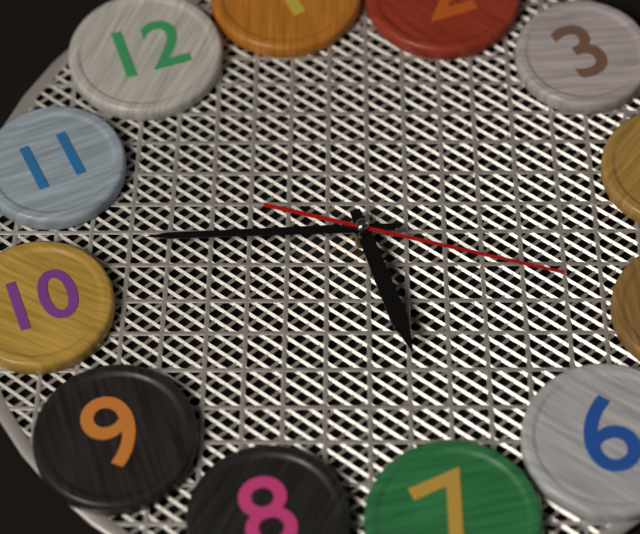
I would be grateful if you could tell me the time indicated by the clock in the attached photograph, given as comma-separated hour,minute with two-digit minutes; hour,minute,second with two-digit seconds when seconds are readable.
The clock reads 6,52,25
